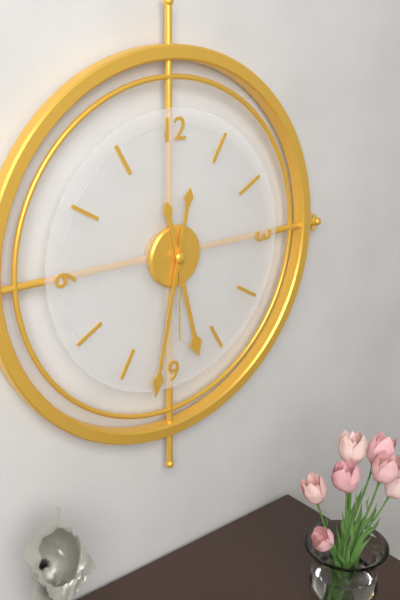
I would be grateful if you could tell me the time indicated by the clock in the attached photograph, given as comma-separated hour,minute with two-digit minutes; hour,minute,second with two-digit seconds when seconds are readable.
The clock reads 5,32,30
